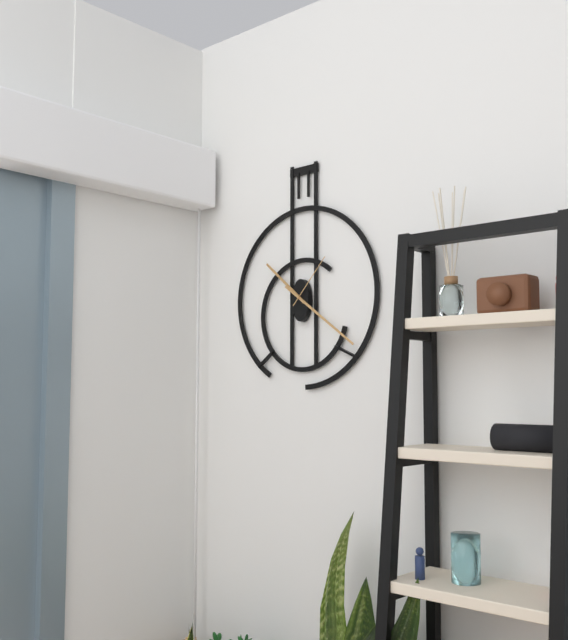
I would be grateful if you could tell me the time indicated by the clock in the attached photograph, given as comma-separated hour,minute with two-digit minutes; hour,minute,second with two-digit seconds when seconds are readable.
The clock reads 10,21,07
